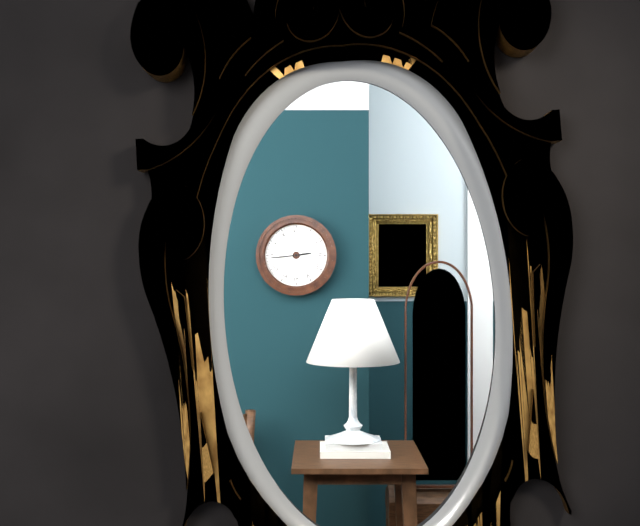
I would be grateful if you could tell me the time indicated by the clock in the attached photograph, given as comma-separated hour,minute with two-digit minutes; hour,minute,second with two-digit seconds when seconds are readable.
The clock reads 2,44
